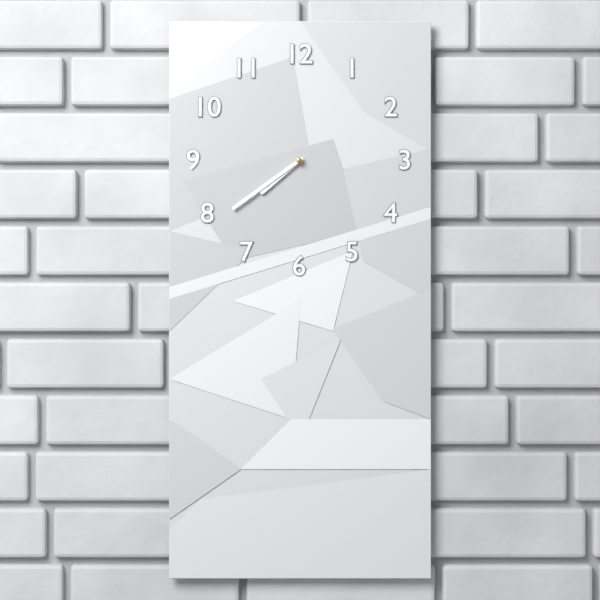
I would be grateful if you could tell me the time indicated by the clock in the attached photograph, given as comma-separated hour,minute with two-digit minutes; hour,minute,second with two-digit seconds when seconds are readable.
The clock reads 7,39
